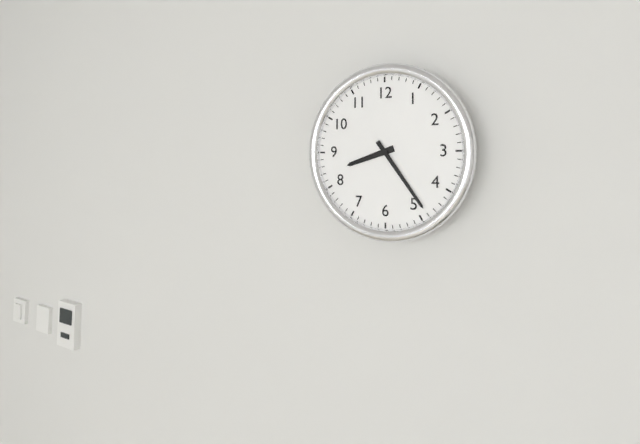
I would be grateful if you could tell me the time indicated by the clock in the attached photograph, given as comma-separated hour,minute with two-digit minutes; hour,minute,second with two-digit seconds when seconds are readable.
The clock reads 8,24
